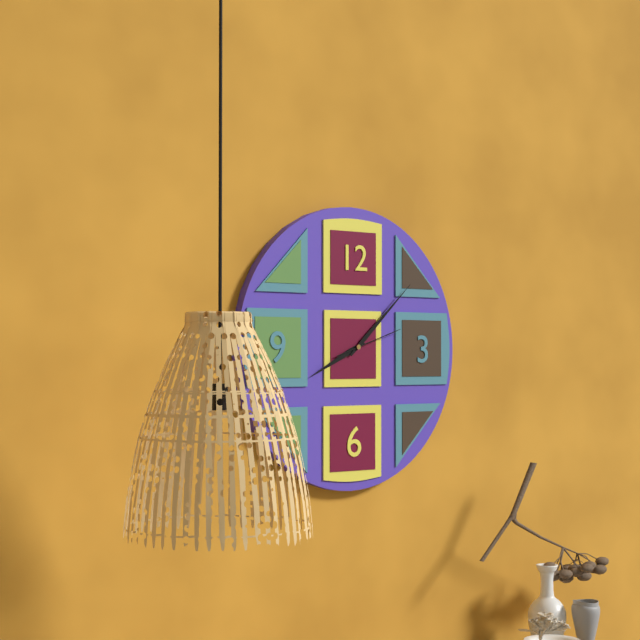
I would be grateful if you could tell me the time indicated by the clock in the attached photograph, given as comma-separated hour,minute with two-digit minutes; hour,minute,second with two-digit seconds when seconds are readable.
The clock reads 8,08,12
